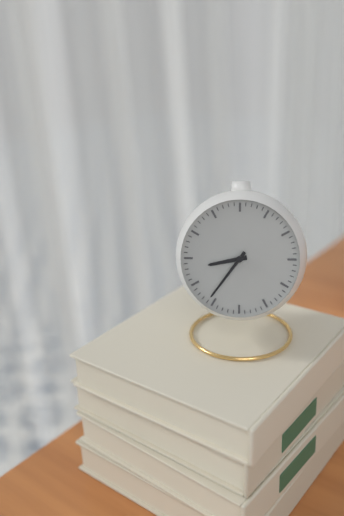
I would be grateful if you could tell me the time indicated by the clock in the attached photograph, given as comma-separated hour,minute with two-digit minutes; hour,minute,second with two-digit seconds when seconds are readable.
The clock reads 8,36
